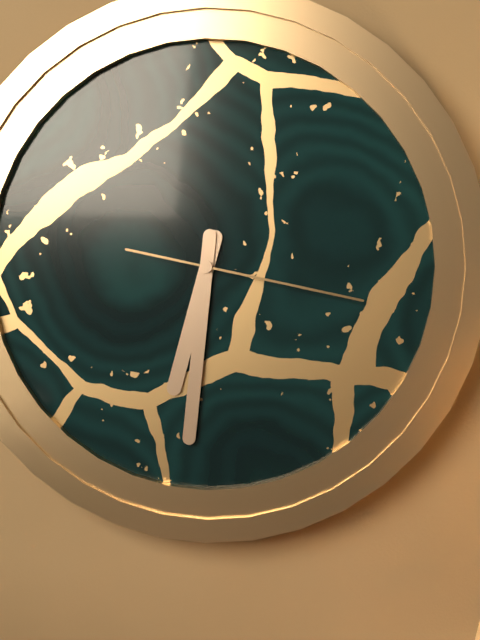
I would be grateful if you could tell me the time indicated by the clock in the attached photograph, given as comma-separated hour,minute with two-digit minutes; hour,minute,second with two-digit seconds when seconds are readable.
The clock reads 6,31,17
